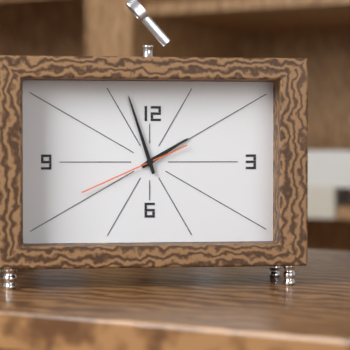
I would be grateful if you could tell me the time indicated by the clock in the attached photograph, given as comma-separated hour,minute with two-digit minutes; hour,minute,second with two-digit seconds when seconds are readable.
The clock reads 1,57,41
